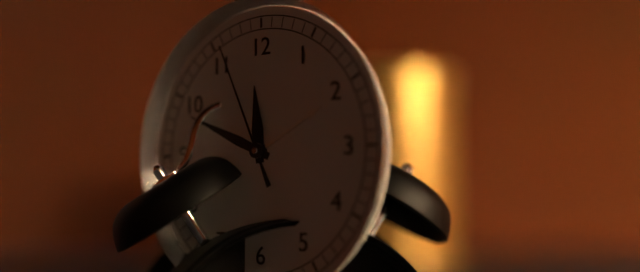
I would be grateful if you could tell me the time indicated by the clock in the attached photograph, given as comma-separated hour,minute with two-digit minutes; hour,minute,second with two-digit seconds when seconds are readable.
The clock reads 11,49,56
